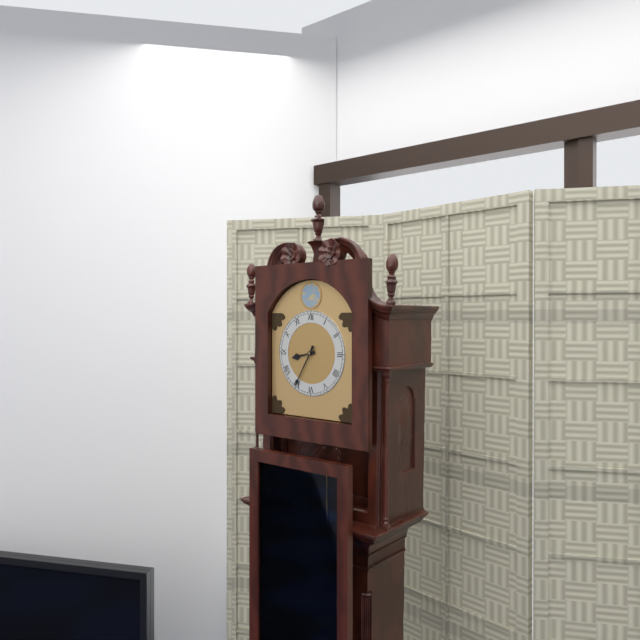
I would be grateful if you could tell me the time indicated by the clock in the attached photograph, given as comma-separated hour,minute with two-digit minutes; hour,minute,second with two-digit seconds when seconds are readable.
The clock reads 8,35
